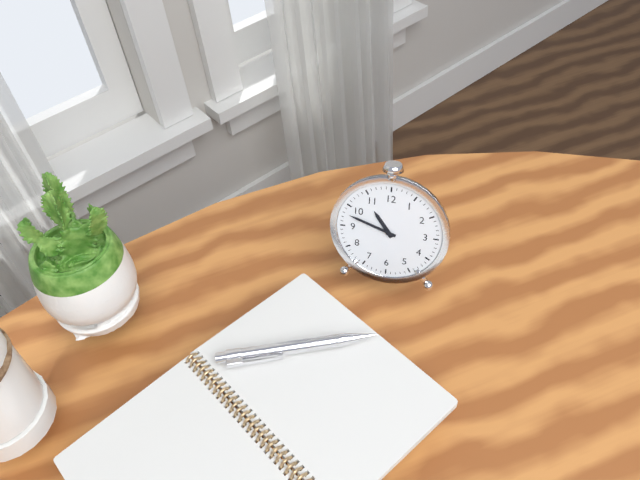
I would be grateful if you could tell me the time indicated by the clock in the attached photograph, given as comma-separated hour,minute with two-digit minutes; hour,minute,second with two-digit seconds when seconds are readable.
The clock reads 10,48
